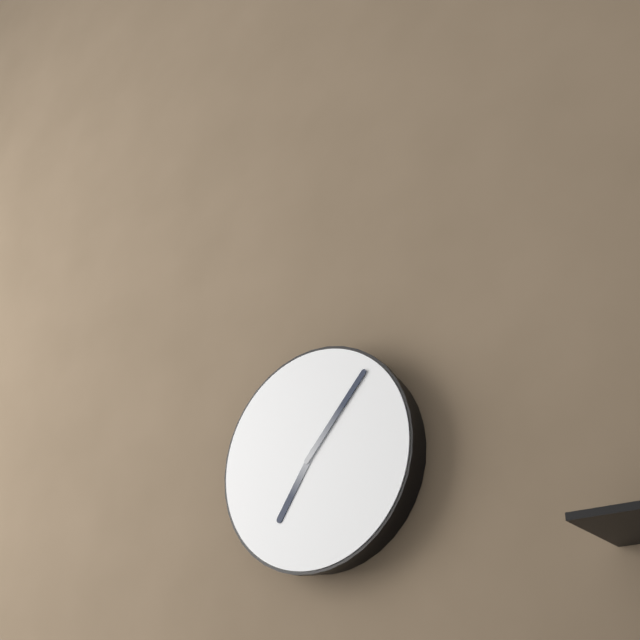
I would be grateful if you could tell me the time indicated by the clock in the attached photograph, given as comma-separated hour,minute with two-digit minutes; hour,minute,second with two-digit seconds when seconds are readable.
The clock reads 7,07
